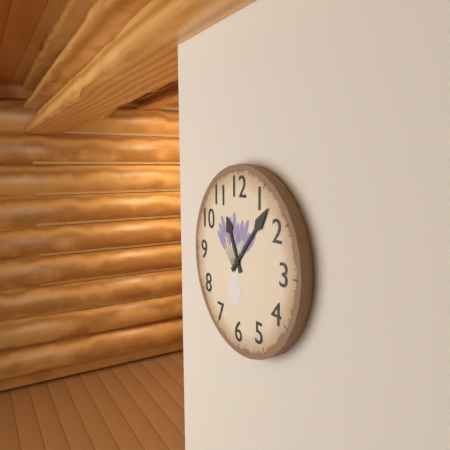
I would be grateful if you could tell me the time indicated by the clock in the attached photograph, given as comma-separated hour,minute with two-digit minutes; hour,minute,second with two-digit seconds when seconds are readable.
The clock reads 11,07
